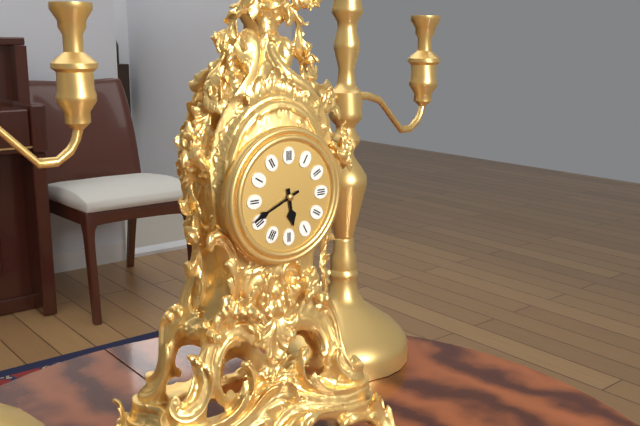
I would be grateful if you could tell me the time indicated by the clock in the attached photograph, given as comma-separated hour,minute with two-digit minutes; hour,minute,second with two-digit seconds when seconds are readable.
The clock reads 5,41
